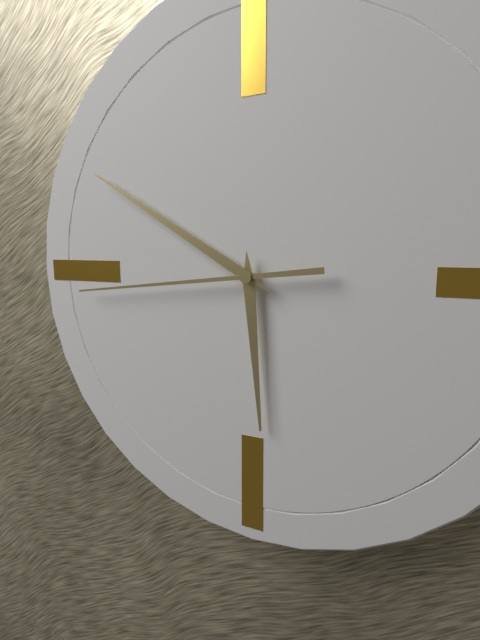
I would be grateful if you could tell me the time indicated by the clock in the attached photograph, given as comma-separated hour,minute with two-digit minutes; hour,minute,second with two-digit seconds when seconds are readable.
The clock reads 5,50,44
